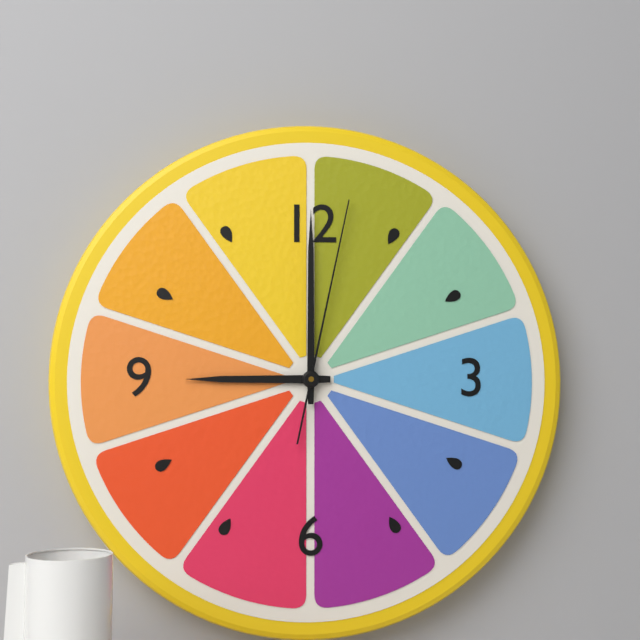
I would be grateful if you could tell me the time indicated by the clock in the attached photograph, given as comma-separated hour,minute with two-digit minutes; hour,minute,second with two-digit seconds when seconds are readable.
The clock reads 9,00,02
